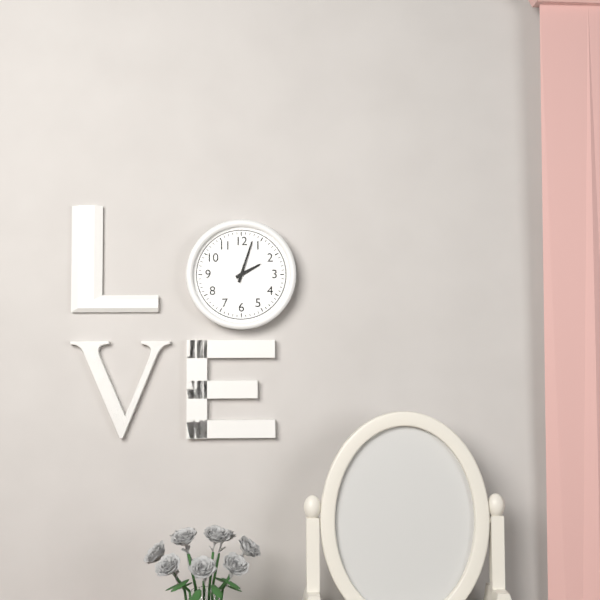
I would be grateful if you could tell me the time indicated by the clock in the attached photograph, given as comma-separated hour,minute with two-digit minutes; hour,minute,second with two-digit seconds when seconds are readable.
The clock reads 2,03
